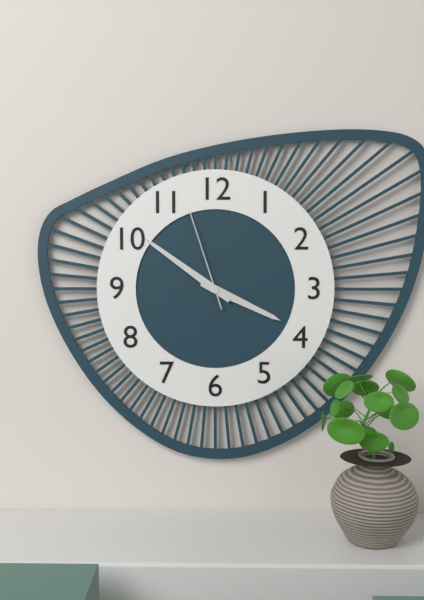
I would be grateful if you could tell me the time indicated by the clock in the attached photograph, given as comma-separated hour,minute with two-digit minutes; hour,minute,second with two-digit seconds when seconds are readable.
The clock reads 3,51,57
